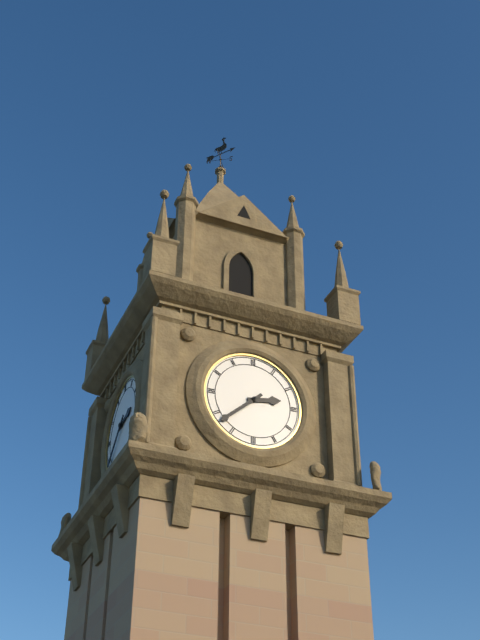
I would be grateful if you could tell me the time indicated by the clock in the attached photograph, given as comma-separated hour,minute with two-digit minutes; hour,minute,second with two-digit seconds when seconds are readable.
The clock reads 2,38
